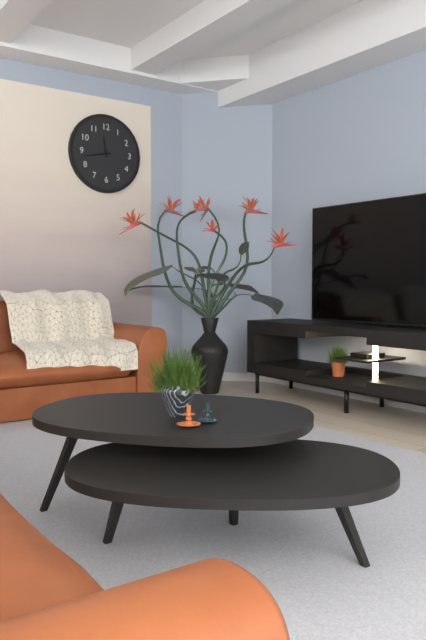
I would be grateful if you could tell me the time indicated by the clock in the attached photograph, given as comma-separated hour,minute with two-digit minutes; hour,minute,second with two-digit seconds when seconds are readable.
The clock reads 11,43
